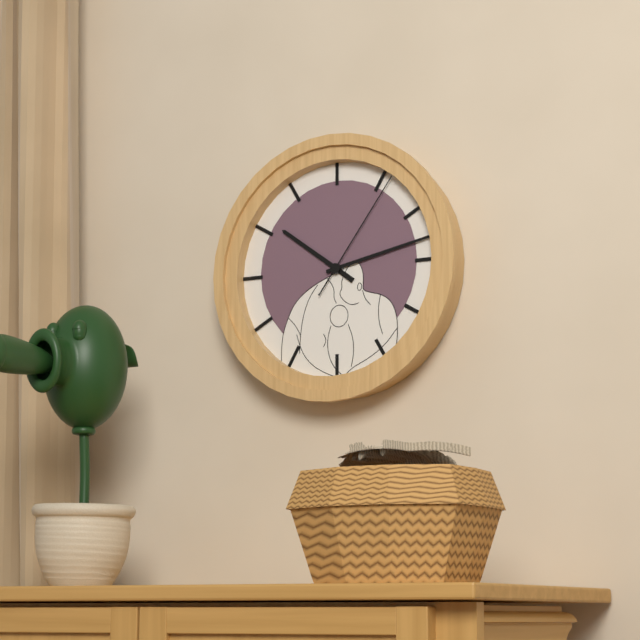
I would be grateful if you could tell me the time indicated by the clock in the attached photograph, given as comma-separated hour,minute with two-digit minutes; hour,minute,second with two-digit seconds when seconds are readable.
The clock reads 10,13,06
